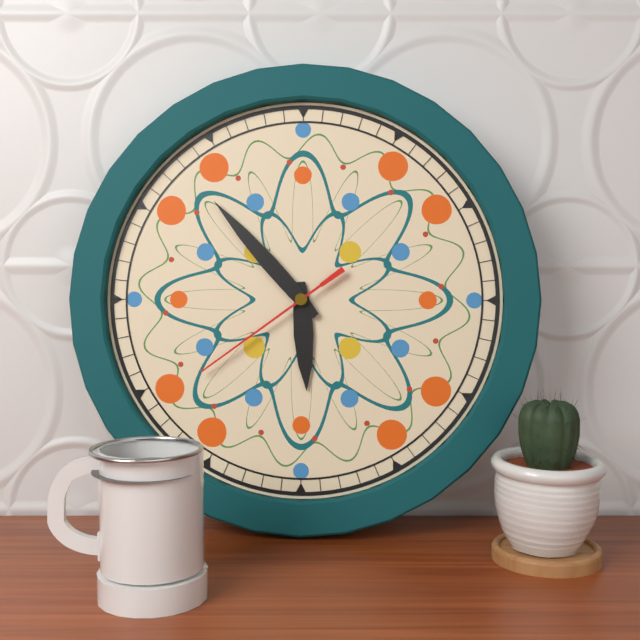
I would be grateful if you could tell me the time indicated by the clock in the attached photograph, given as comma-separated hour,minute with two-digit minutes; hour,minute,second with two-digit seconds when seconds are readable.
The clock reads 5,53,39
